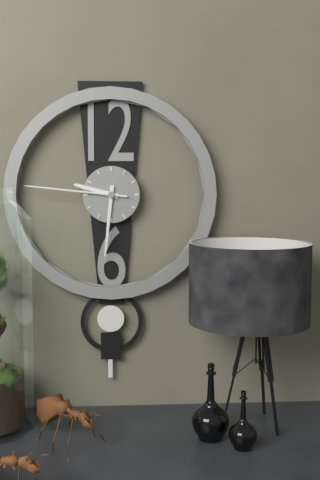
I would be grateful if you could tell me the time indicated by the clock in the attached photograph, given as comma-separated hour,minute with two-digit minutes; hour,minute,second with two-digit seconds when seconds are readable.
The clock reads 9,31,46
